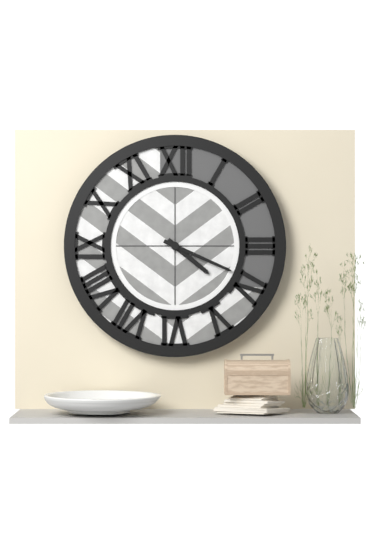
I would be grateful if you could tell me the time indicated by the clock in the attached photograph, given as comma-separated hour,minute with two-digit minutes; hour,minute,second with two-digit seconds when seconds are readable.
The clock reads 4,19
